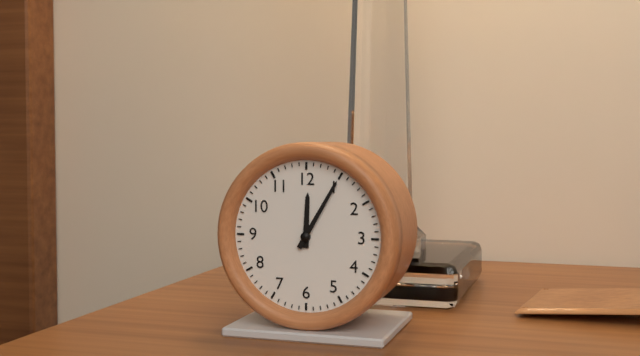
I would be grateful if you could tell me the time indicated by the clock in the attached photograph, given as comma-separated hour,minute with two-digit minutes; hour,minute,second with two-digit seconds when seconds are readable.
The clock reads 12,05
